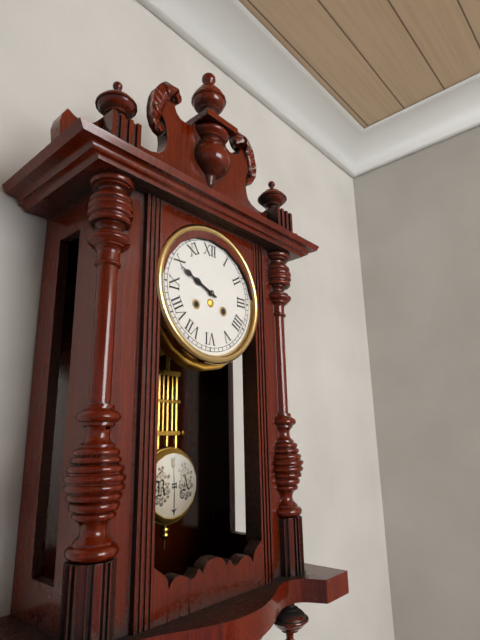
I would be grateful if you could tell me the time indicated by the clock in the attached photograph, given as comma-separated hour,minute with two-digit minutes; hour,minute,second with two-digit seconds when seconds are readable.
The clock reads 9,49
